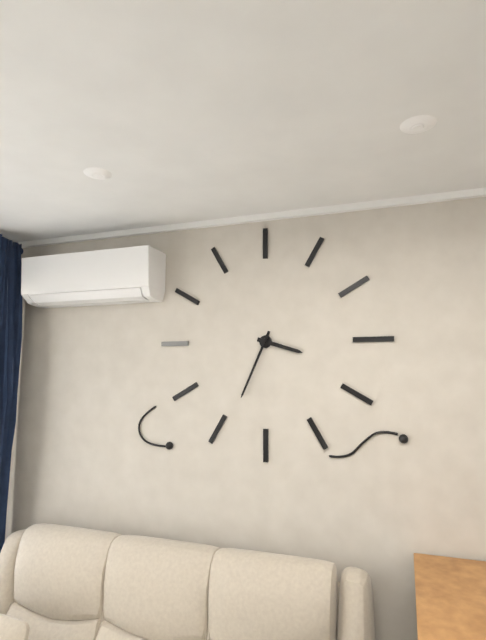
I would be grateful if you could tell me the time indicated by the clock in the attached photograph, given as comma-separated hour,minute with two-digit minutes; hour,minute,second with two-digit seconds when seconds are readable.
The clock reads 3,34
